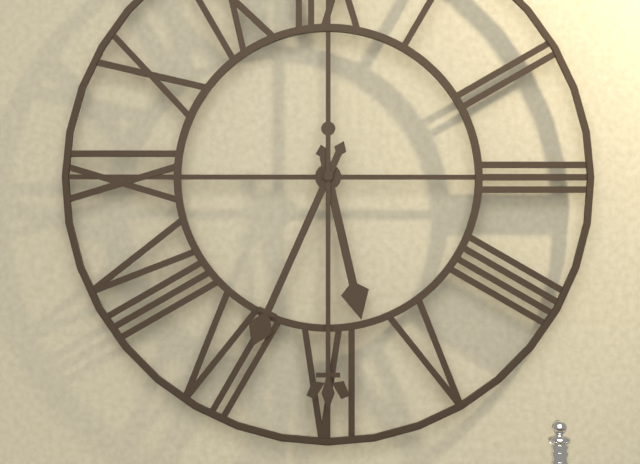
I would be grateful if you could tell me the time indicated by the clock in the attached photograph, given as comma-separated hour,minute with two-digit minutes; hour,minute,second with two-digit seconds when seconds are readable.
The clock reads 5,34,30
